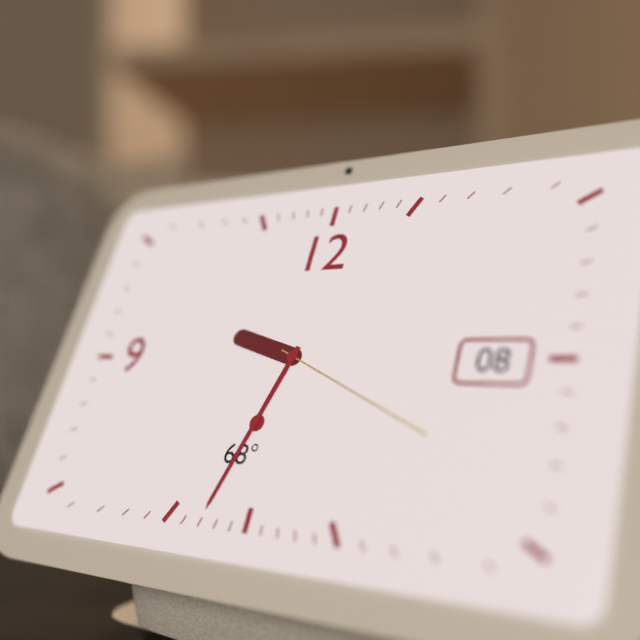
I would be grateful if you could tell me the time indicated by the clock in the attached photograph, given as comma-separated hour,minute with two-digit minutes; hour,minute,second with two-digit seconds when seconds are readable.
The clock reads 9,33,19
